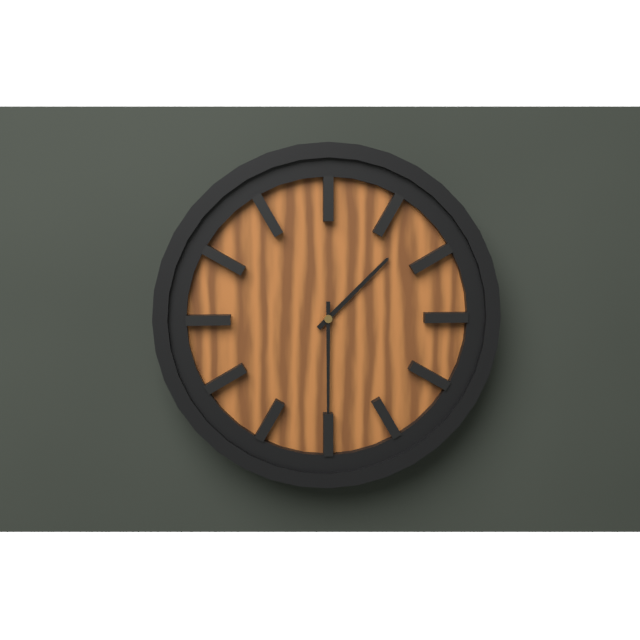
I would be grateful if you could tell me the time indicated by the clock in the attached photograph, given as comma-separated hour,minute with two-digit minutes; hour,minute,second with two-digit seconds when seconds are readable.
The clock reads 1,30
